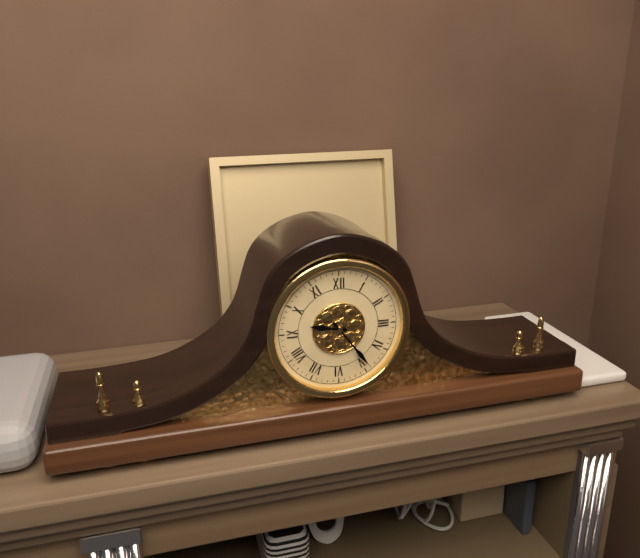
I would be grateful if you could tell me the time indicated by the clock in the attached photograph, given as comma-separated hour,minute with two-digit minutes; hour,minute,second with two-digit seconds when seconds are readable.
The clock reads 9,24
